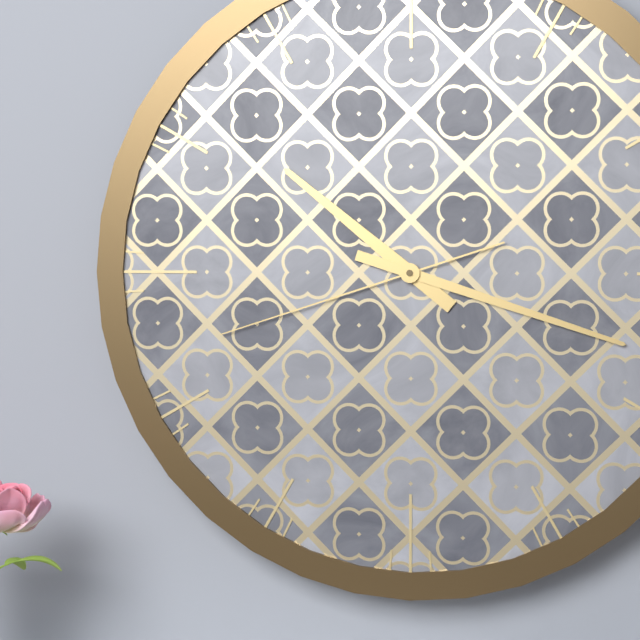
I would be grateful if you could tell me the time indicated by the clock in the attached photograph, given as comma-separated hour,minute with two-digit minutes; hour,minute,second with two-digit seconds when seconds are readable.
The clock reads 10,18,42
